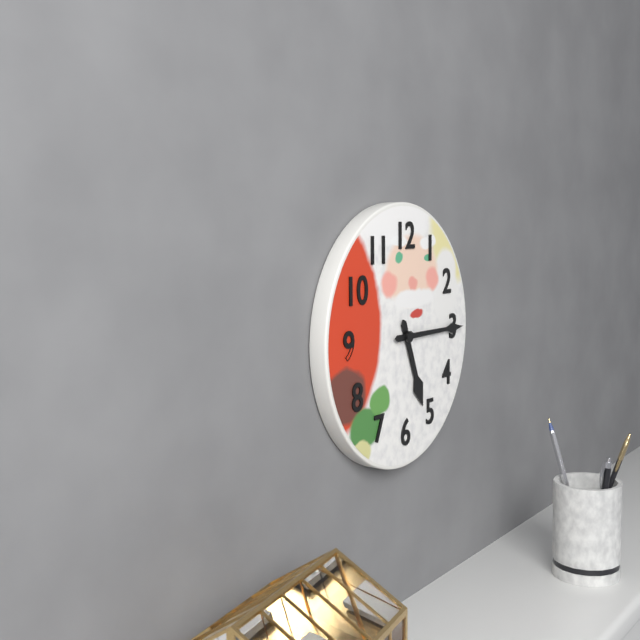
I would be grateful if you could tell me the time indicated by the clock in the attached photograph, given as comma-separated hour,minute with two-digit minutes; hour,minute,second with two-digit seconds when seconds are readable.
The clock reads 5,15
